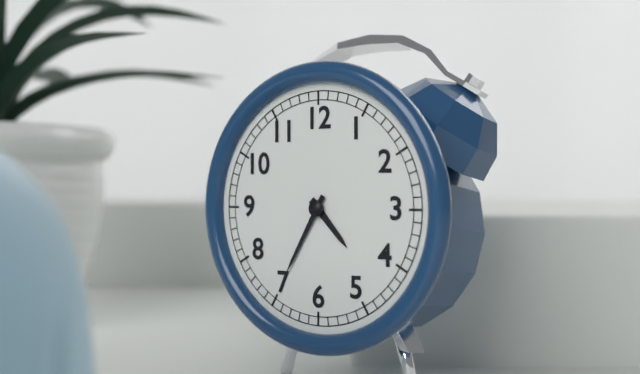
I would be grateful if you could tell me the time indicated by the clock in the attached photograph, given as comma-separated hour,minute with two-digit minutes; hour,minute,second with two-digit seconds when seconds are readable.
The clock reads 4,35
